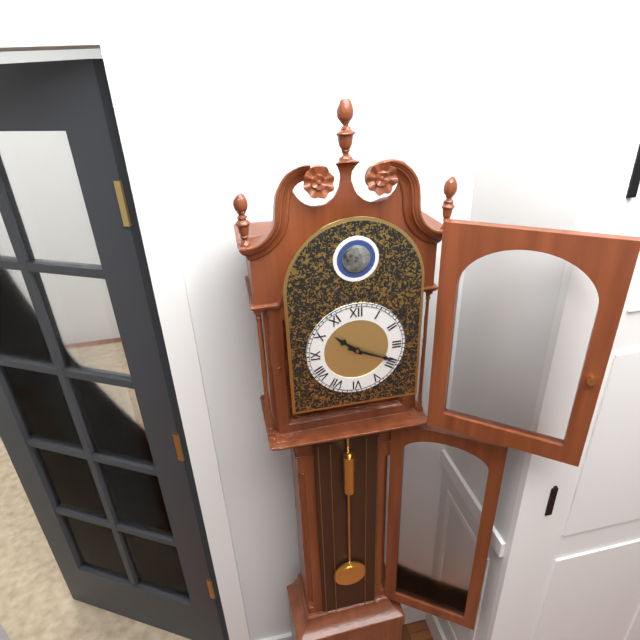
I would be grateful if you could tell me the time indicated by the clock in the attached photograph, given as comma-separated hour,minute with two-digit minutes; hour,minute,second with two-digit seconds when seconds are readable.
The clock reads 10,19
